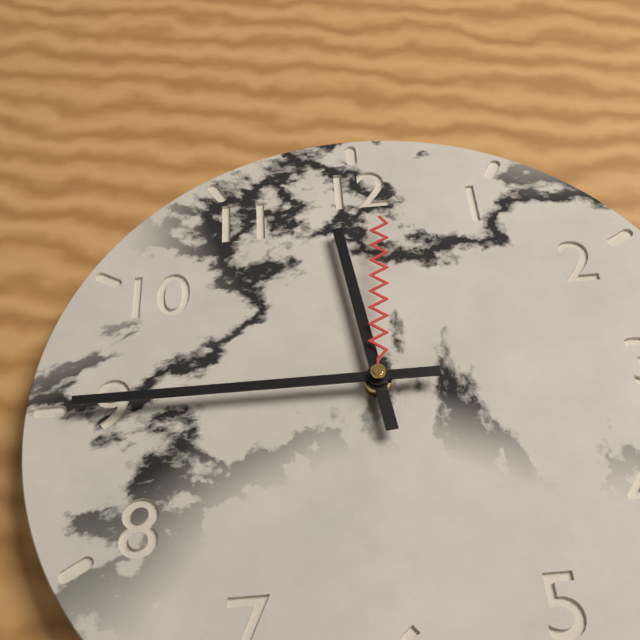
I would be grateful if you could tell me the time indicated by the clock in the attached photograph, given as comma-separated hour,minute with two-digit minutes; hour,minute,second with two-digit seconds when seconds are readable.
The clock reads 11,45,01
